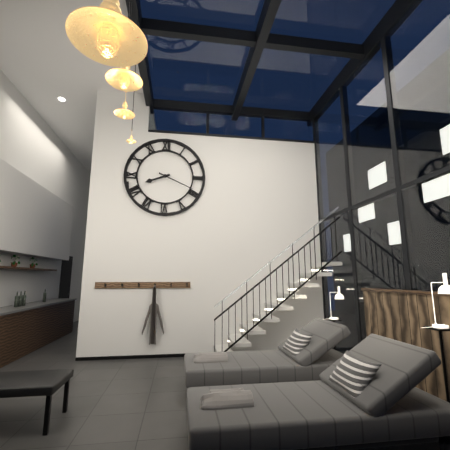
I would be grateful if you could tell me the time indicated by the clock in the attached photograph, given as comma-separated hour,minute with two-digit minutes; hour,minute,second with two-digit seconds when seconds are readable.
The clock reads 8,19
